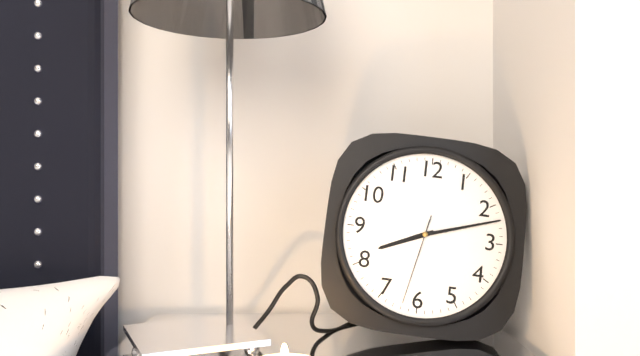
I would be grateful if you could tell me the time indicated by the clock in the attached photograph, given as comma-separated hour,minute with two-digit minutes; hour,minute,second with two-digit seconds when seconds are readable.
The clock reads 8,12,32
